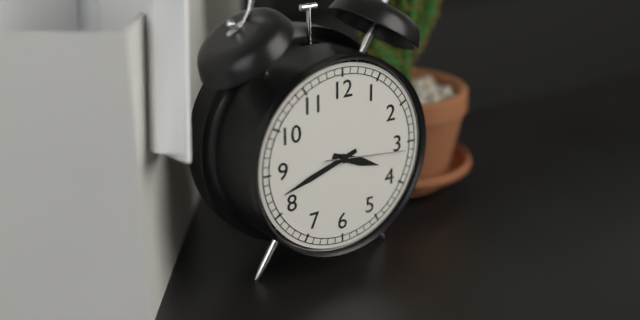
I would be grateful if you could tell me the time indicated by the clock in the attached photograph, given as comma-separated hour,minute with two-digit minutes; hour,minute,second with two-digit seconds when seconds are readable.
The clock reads 3,42,16
